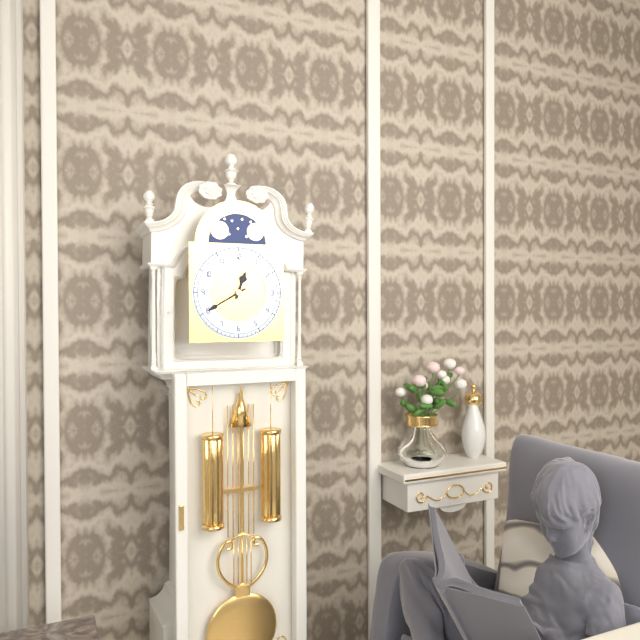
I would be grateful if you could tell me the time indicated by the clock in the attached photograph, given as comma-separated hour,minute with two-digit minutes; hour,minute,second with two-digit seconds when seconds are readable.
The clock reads 12,40
